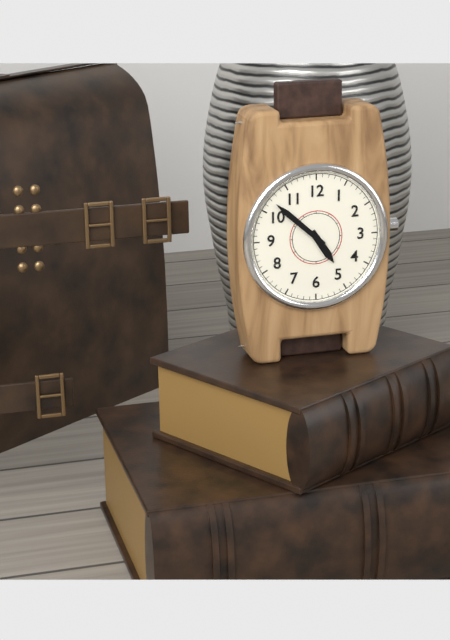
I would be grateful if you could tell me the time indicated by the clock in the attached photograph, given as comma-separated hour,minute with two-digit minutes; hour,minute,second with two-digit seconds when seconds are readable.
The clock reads 4,52
